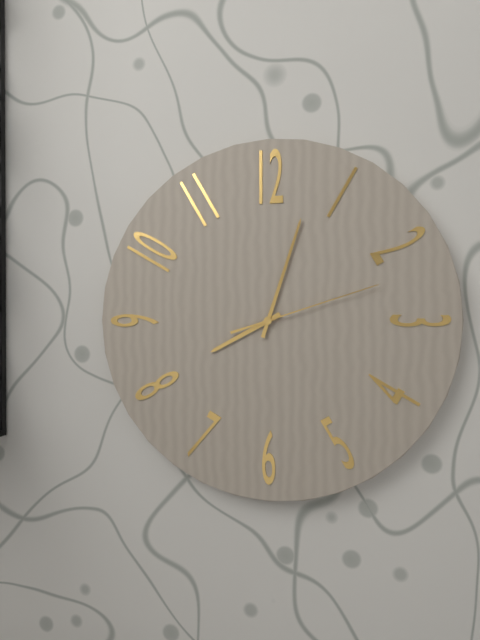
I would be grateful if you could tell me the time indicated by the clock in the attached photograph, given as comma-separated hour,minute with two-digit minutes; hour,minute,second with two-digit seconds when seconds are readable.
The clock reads 8,03,12
